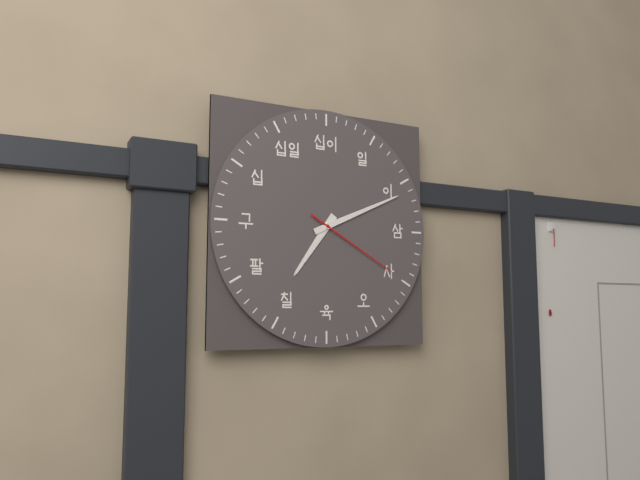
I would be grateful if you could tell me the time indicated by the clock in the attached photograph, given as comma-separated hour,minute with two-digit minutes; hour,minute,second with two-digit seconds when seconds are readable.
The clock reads 7,11,20
